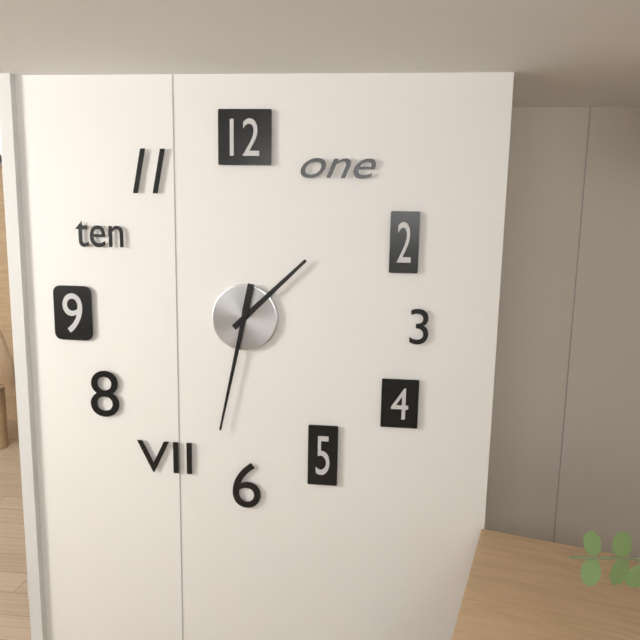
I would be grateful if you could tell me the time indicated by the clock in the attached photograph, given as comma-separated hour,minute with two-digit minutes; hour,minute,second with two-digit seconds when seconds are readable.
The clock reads 1,32
